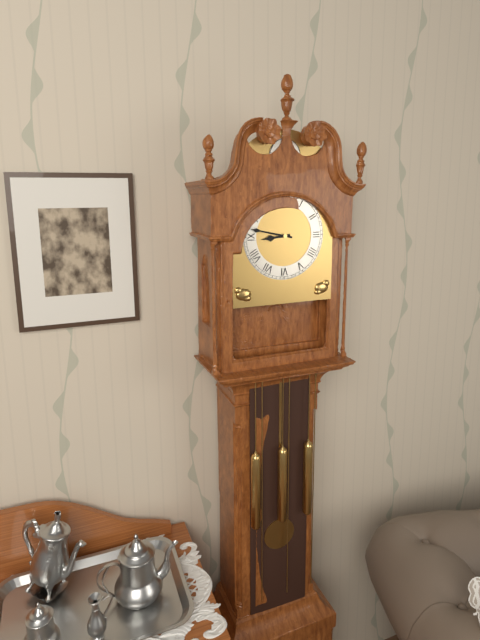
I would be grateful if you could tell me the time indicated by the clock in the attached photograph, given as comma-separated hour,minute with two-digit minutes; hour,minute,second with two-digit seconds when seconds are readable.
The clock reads 8,47
